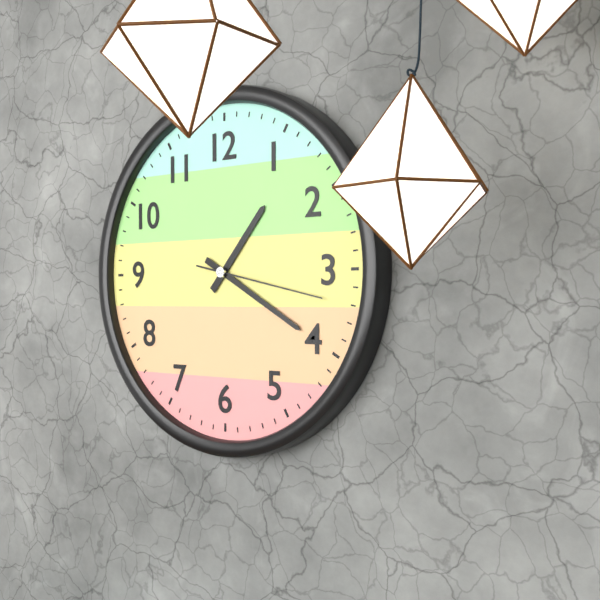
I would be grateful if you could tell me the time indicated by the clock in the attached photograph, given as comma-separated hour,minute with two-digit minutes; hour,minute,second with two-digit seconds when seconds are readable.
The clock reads 1,20,17
